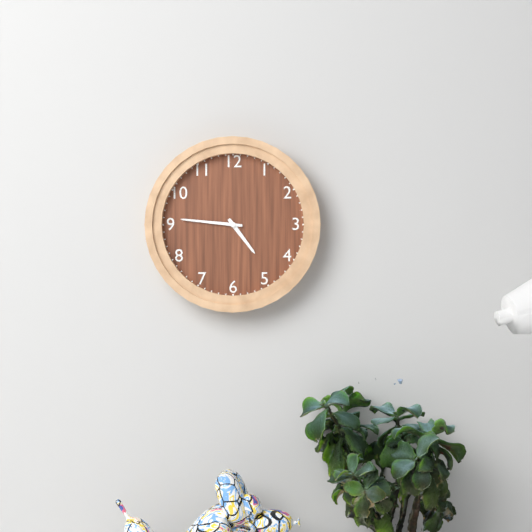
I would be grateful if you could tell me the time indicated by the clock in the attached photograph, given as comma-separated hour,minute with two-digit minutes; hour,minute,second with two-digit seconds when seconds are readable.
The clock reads 4,46
